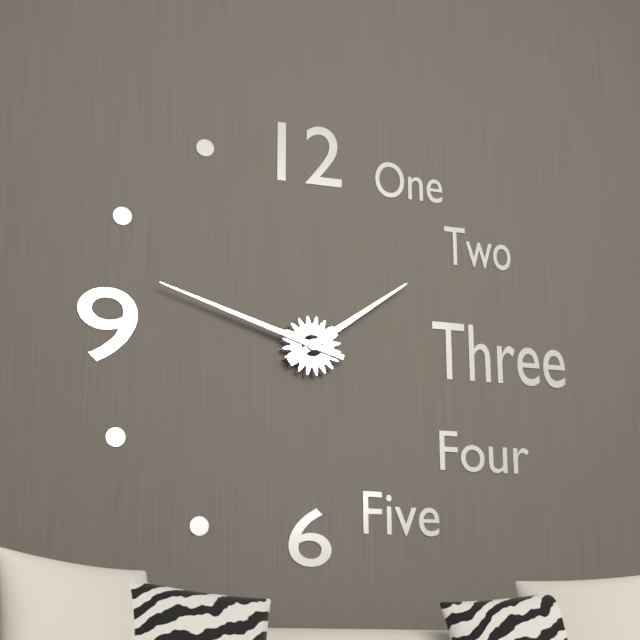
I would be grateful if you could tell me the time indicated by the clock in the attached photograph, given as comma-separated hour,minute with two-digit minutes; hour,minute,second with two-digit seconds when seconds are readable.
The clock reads 1,48
